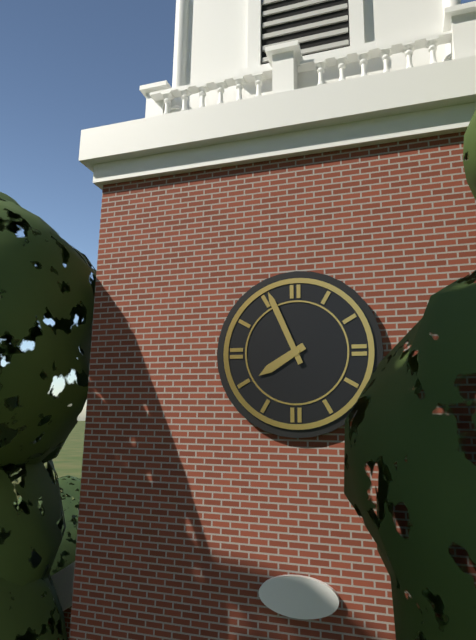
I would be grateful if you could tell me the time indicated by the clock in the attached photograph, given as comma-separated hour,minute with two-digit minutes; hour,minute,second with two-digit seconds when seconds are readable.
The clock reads 7,56
